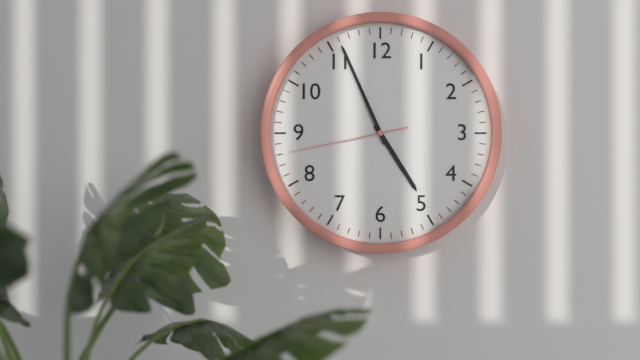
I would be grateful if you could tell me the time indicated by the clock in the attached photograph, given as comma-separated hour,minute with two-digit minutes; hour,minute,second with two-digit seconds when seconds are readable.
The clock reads 4,56,43
